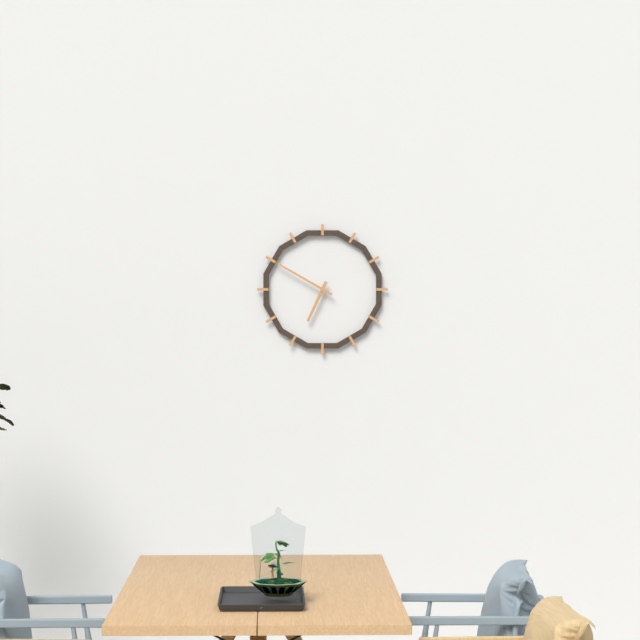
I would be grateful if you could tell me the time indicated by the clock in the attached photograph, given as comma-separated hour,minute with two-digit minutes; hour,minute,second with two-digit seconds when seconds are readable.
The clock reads 6,50
